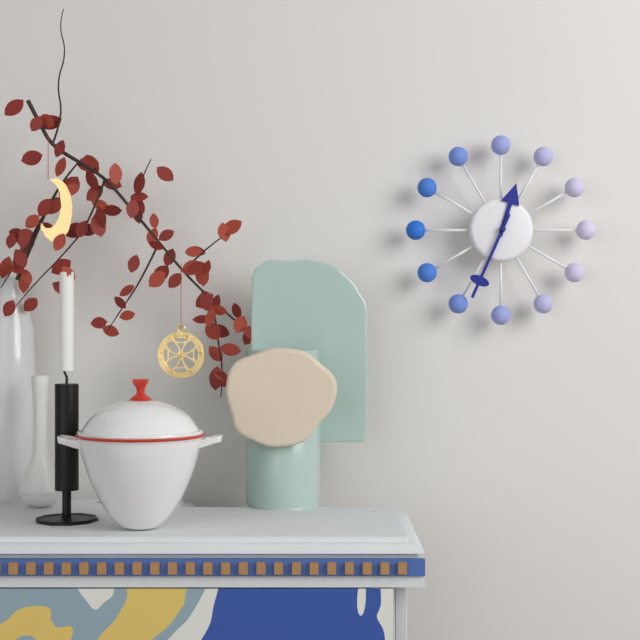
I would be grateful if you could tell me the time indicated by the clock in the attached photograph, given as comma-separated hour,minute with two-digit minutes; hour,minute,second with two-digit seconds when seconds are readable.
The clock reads 12,34
